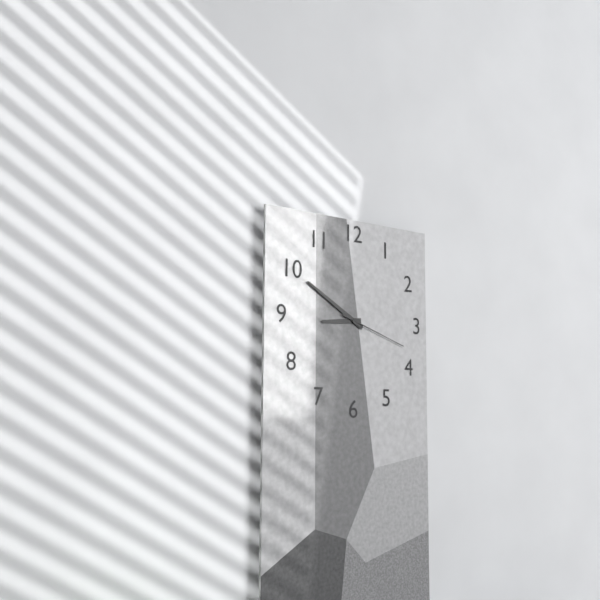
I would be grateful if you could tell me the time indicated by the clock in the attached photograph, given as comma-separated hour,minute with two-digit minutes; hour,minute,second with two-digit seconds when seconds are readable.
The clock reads 8,50,18
